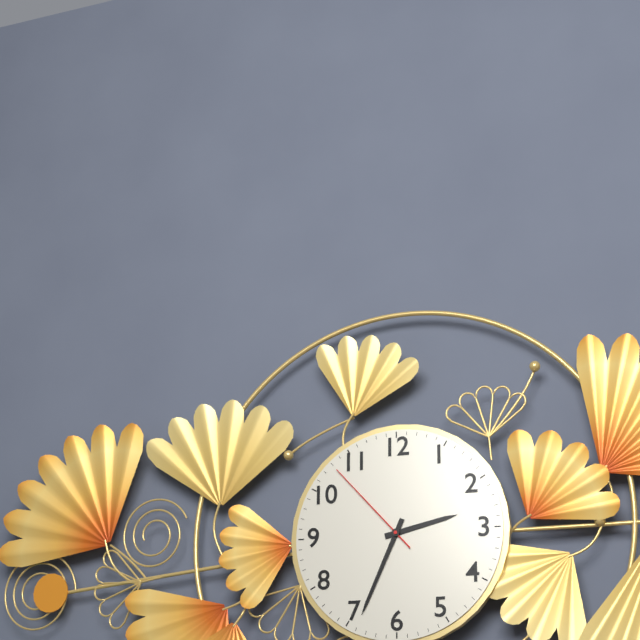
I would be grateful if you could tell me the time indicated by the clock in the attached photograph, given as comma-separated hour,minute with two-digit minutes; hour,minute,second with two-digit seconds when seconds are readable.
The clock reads 2,34,53
